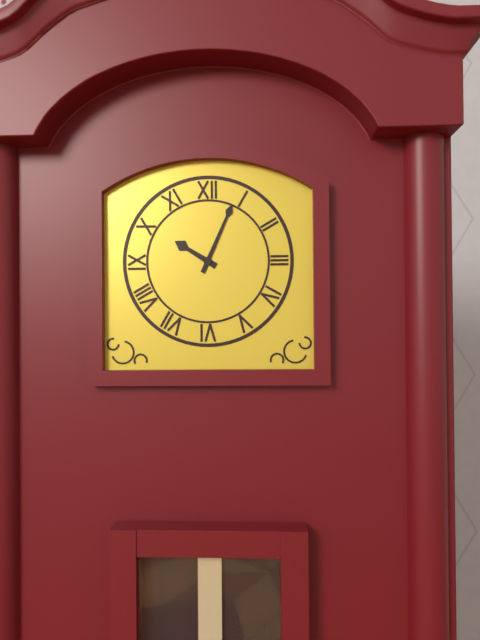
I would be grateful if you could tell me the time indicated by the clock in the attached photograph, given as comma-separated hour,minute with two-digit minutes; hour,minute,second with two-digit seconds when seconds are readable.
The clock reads 10,04
